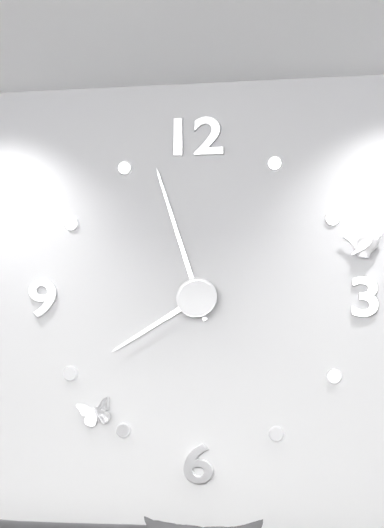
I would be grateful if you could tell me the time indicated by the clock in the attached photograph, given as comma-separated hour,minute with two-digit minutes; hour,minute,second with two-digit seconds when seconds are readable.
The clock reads 7,57
